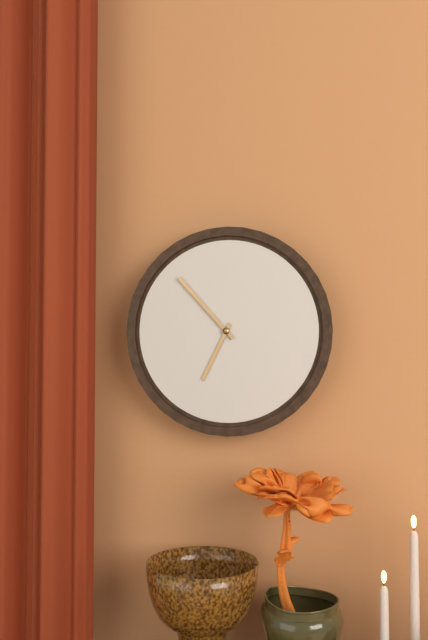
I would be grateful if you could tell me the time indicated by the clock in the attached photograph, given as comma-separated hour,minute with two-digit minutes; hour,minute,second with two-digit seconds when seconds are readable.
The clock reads 6,53
